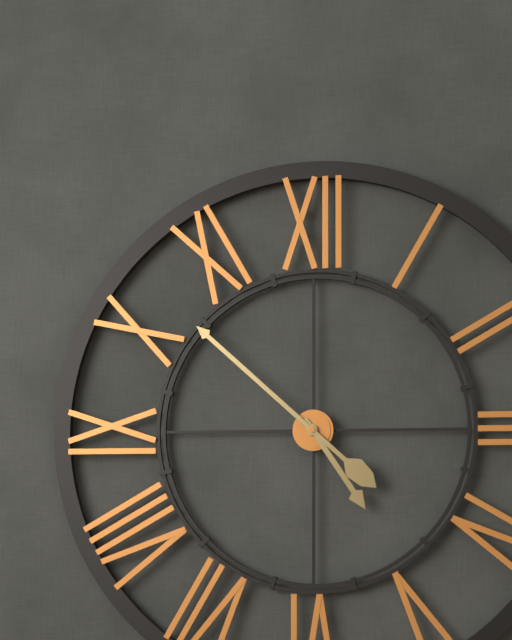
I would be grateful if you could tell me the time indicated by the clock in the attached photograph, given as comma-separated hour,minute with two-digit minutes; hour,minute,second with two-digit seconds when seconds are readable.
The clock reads 4,52
